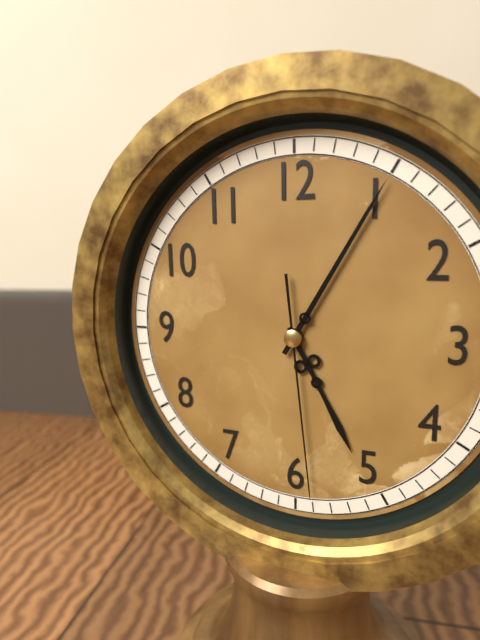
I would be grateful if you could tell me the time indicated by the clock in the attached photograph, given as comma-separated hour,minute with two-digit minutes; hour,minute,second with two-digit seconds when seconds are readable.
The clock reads 5,05,29
